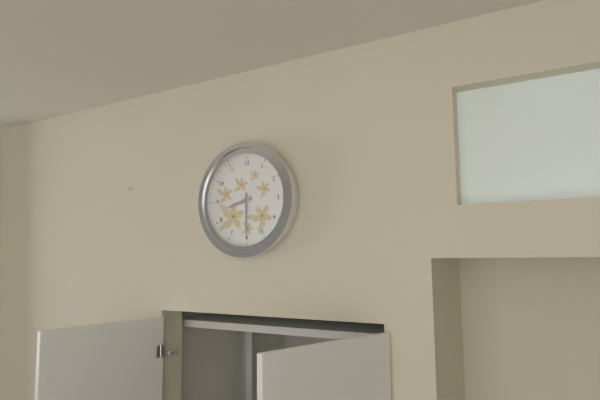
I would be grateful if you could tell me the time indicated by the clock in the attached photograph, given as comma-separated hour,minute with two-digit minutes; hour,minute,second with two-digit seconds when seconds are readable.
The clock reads 8,30
